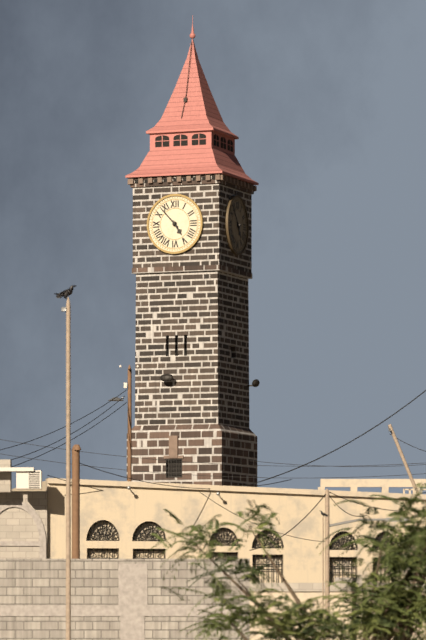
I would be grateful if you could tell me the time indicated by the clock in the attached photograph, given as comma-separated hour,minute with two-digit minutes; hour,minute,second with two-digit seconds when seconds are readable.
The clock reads 4,53
